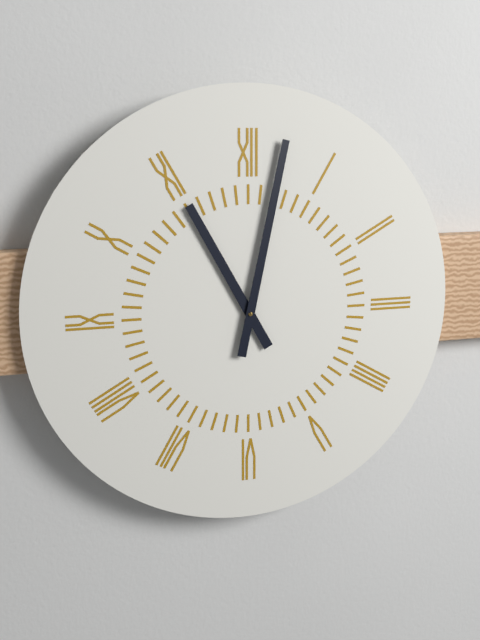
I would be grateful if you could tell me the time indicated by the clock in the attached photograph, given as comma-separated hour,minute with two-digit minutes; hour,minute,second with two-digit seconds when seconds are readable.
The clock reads 11,02
